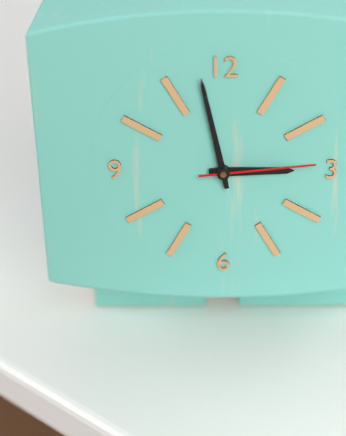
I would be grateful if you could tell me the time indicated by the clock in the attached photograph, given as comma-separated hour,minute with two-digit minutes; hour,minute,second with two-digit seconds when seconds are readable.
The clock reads 2,58,14
